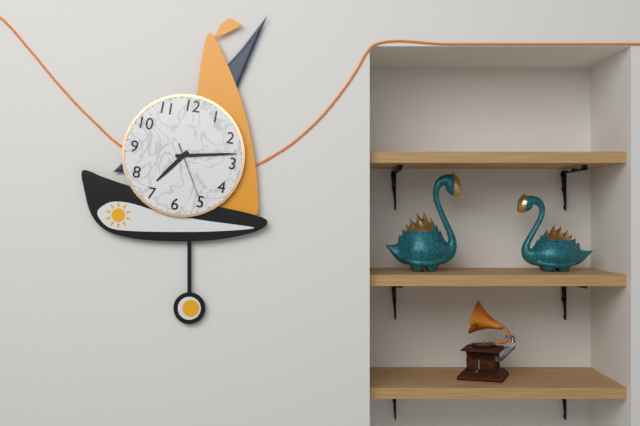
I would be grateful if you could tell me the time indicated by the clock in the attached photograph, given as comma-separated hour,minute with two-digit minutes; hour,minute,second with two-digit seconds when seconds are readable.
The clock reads 7,13,25
